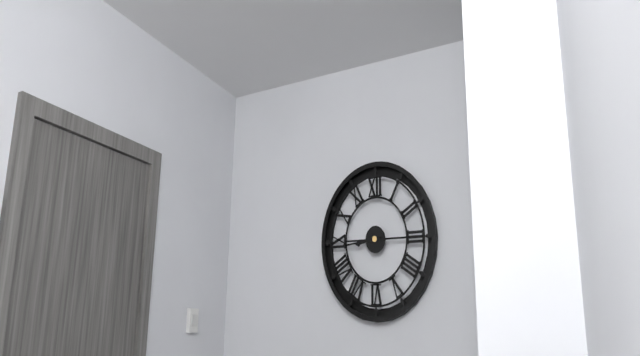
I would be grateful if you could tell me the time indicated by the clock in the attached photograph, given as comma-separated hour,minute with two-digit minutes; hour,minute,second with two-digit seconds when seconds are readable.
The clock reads 8,44
